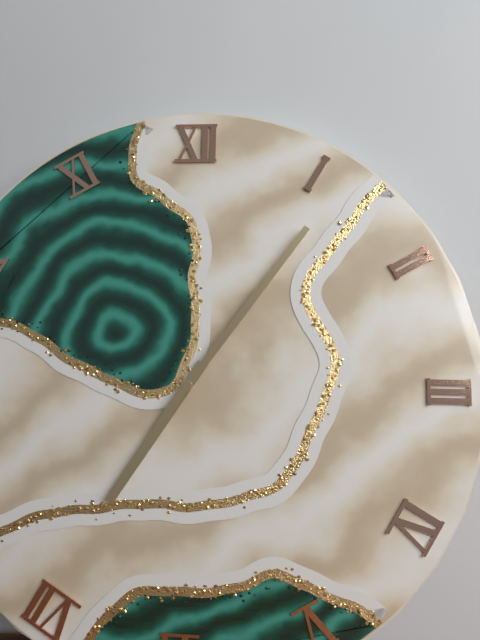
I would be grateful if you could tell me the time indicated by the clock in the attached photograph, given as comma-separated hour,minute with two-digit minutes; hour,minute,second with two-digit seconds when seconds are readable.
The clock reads 7,06
